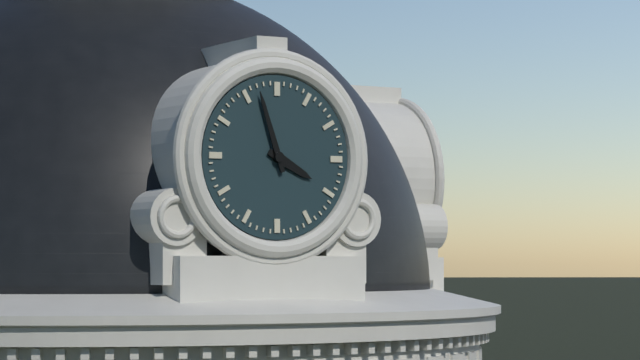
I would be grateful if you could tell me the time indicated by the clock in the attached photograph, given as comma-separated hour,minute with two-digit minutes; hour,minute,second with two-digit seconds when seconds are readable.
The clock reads 3,57
